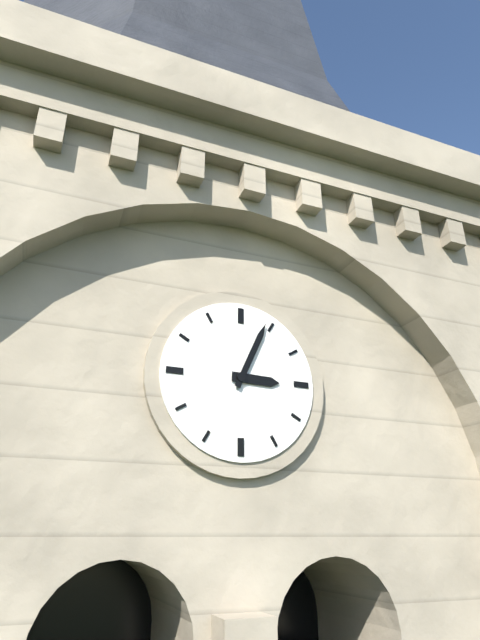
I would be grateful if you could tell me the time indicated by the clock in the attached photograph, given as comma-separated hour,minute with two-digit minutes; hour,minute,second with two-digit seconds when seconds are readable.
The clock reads 3,04
